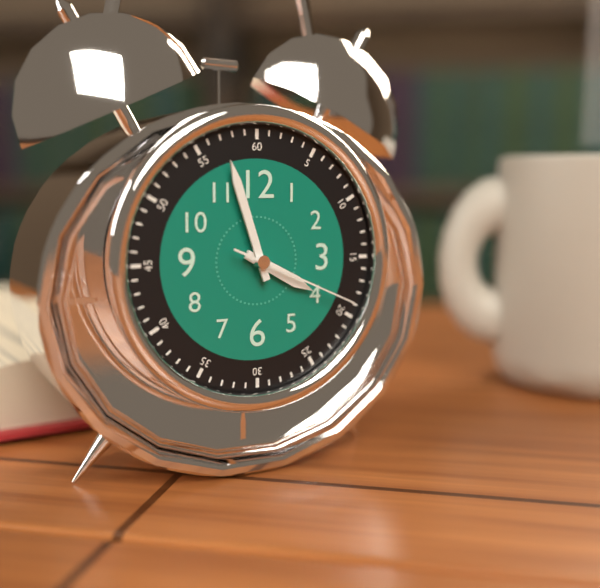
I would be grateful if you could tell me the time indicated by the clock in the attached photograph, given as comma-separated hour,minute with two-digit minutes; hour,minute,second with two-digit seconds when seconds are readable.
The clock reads 3,57,19
